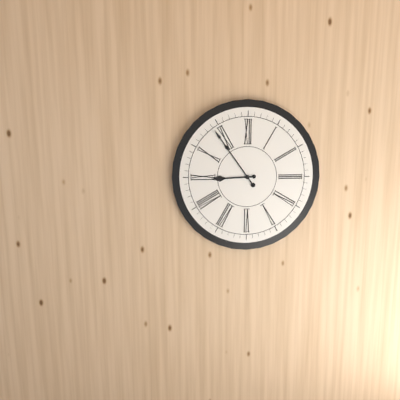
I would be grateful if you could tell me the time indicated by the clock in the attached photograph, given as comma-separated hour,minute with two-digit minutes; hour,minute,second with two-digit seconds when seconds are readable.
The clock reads 8,54
